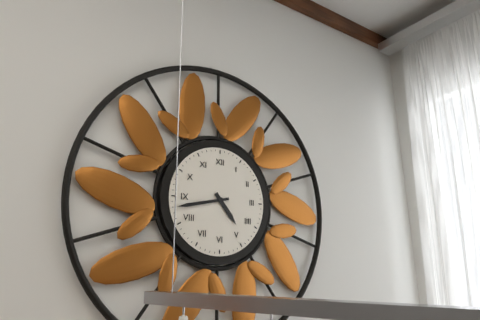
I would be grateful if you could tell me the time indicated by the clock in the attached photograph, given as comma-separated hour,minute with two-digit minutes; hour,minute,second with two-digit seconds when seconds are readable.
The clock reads 4,43
